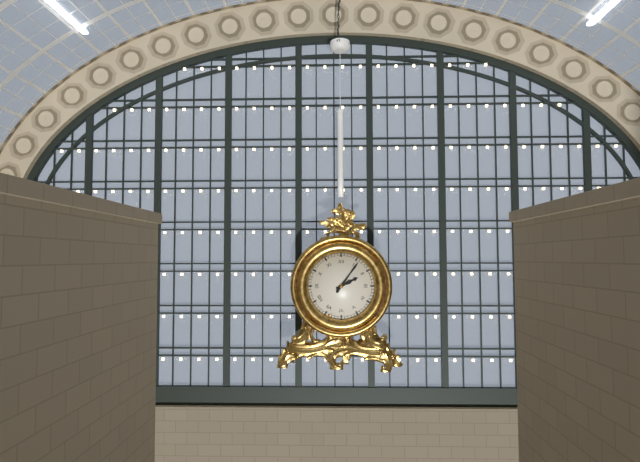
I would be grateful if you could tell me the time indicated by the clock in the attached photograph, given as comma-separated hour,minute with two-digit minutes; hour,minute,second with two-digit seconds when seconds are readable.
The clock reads 2,06
